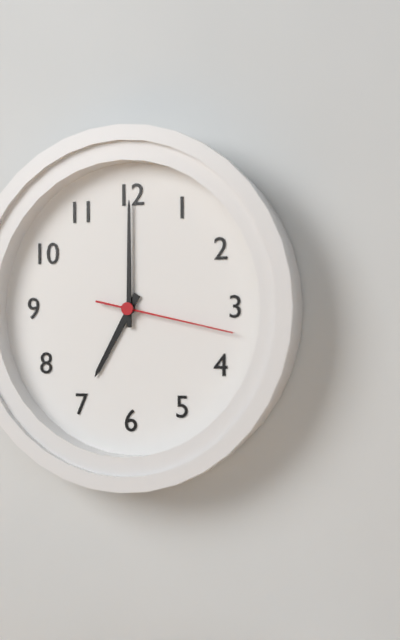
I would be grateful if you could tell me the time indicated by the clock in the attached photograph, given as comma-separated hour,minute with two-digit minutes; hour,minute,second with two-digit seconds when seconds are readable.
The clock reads 7,00,17
